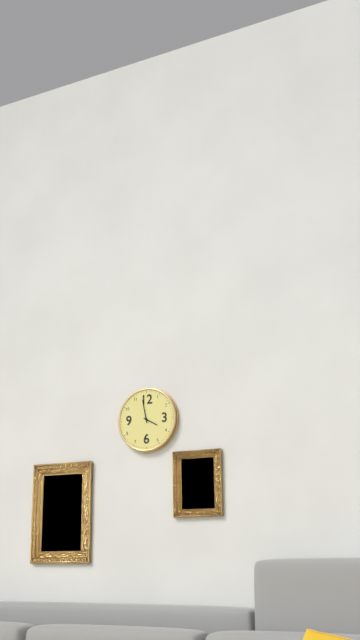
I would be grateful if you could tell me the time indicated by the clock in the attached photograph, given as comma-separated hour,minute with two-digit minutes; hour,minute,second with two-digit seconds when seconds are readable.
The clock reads 3,58
